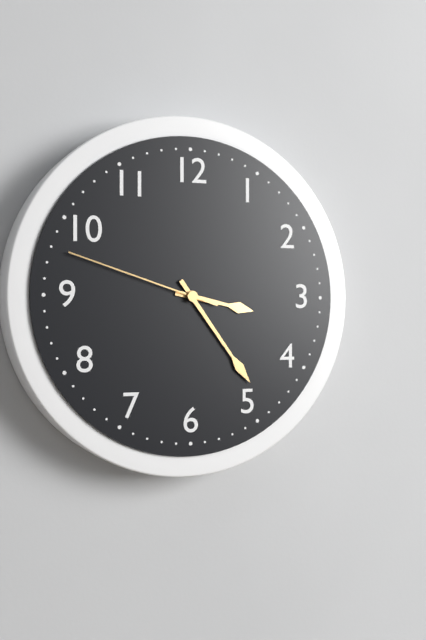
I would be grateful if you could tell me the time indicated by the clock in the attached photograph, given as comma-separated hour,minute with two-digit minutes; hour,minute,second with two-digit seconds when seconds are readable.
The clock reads 3,24,48
